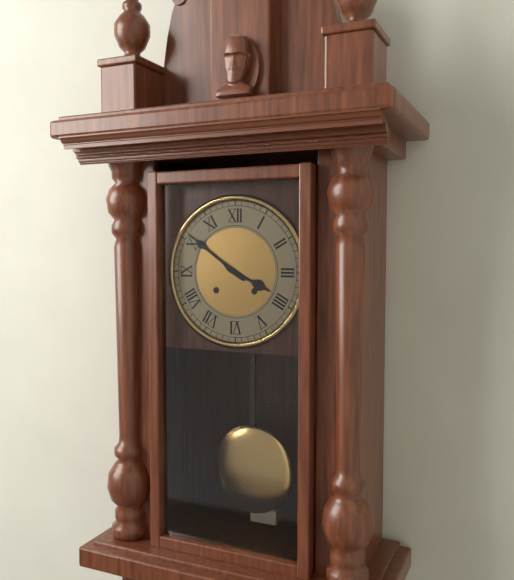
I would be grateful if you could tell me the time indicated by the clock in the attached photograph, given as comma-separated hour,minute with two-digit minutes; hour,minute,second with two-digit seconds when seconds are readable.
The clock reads 3,51
